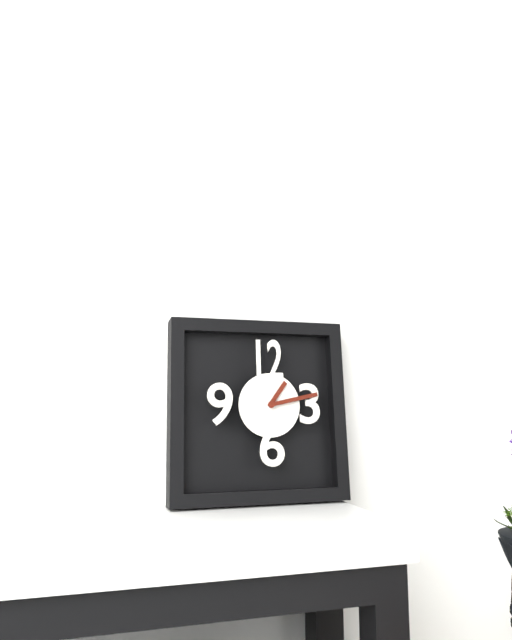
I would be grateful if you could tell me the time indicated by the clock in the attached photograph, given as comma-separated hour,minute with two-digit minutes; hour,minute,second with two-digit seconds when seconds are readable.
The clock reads 1,13
